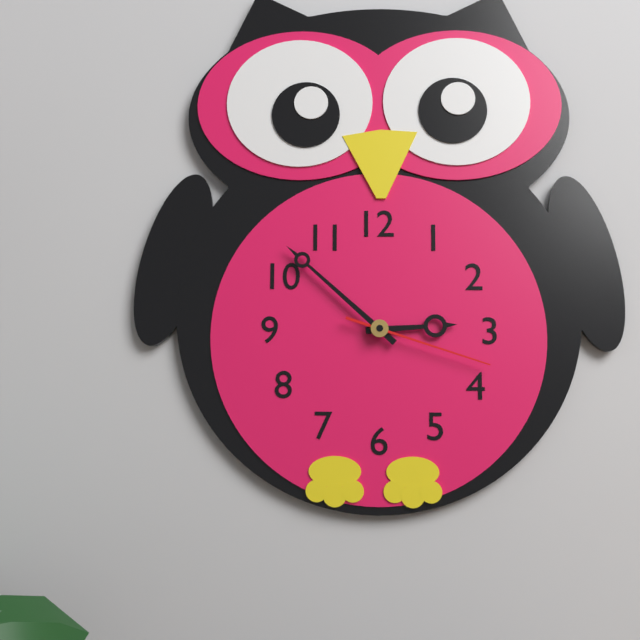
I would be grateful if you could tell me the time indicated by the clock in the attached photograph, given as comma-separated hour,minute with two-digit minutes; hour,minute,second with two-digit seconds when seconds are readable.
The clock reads 2,52,18
